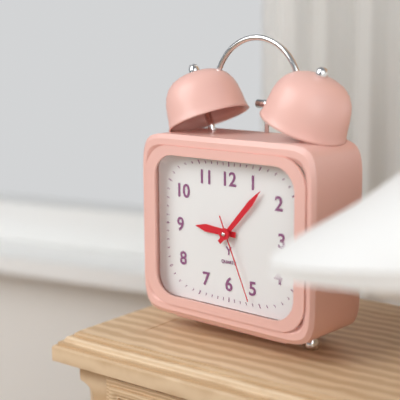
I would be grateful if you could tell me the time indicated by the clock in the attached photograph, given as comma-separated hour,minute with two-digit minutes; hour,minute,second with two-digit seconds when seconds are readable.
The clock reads 9,07,26
